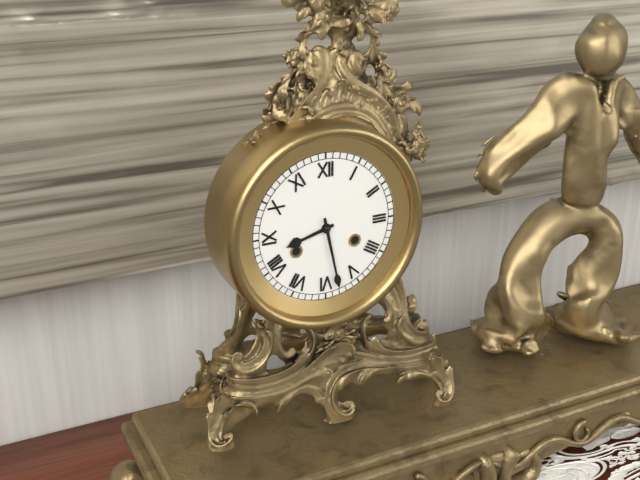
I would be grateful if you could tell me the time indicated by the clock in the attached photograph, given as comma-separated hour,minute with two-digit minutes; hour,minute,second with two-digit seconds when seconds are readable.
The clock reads 8,28
